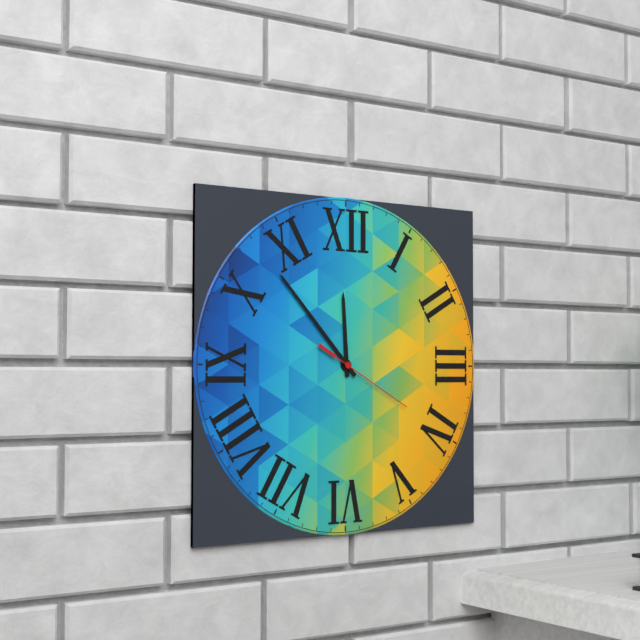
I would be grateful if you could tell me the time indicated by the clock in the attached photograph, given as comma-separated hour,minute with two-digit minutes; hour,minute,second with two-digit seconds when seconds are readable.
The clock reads 11,53,20
